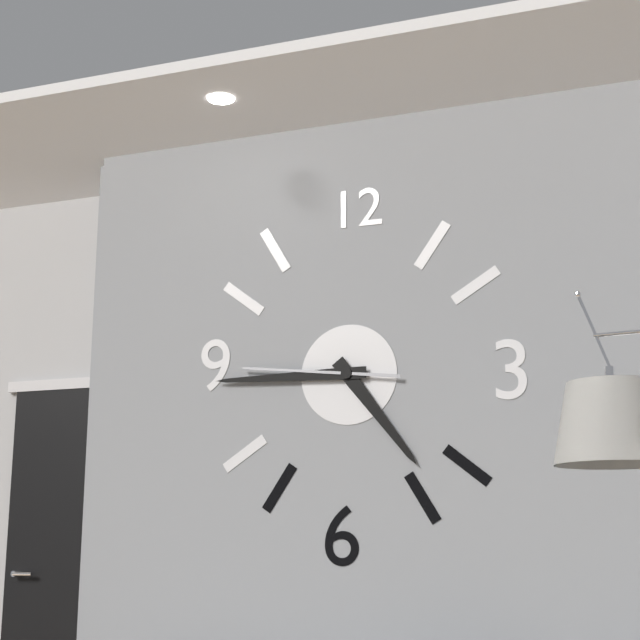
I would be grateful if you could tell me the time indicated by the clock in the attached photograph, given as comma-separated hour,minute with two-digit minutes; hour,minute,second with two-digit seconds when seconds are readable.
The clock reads 4,45,46
